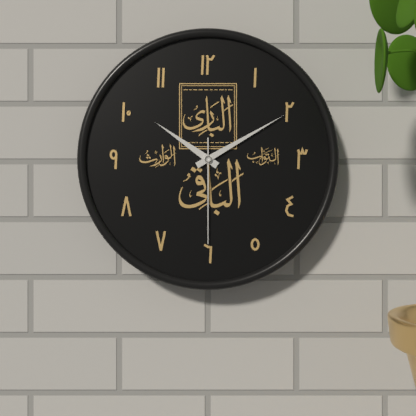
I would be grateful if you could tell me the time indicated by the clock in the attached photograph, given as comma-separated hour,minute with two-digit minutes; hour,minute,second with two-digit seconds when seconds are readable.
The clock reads 10,10,30
